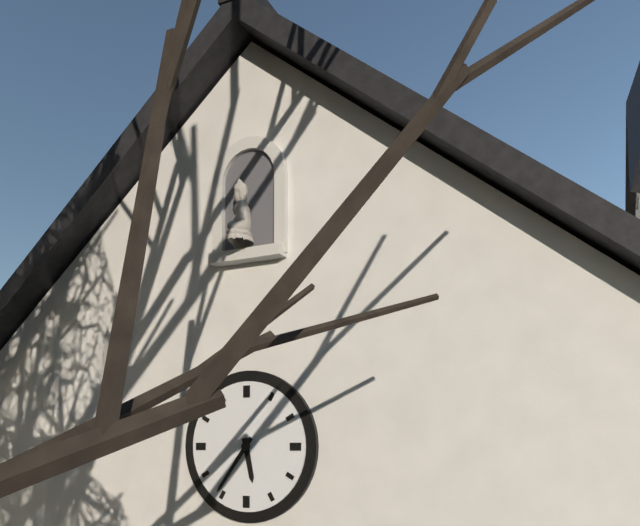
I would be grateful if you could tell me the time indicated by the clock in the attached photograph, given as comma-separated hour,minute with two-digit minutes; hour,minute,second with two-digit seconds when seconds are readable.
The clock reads 5,36
